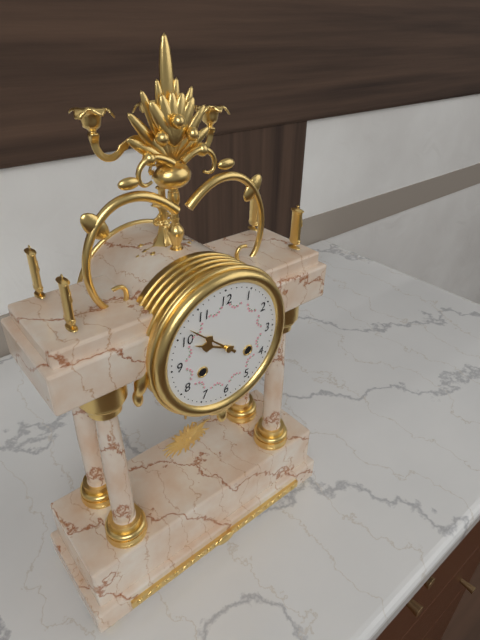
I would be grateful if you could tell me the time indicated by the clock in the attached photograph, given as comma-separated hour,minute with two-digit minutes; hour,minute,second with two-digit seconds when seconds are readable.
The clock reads 9,52
